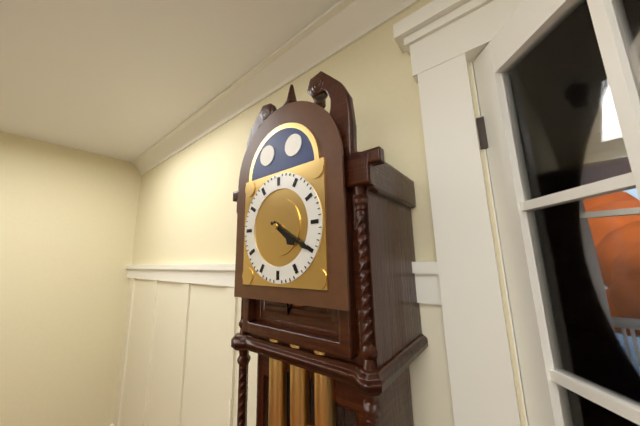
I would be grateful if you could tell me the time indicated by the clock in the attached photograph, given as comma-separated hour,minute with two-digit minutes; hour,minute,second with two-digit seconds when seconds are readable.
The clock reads 4,20
